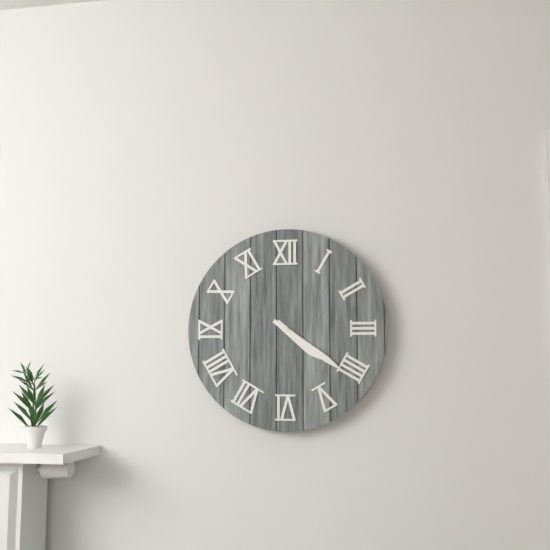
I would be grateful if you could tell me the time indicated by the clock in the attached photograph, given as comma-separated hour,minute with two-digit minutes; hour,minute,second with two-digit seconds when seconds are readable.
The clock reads 4,21
